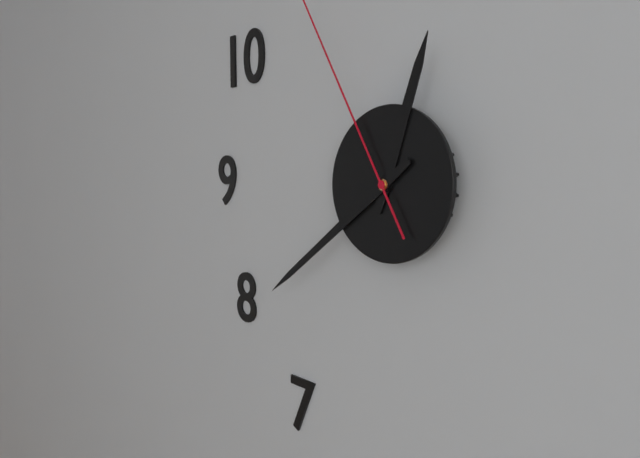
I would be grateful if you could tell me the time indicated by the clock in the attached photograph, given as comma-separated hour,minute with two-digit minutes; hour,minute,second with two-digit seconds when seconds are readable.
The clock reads 12,39
